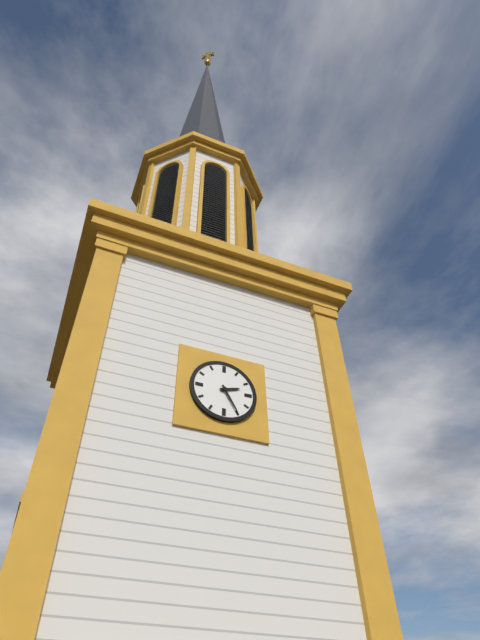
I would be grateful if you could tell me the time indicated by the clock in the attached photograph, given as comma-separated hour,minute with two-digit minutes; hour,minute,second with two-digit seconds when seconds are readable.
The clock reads 2,25
